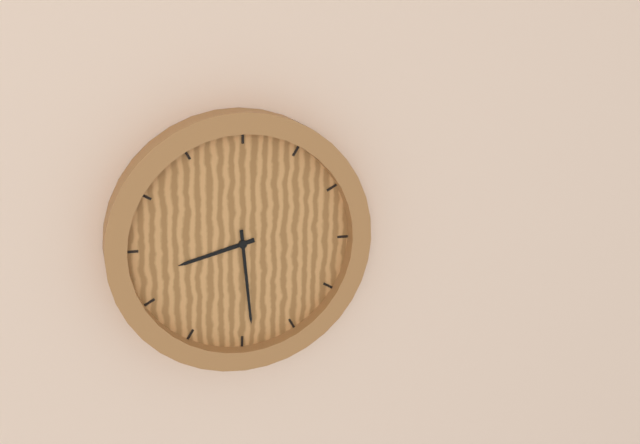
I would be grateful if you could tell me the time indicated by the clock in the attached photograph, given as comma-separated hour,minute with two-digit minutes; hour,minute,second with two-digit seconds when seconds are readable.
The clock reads 8,29
